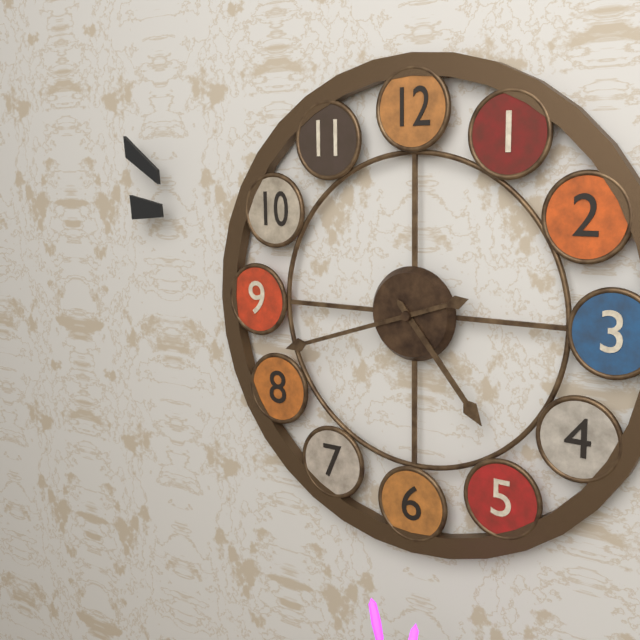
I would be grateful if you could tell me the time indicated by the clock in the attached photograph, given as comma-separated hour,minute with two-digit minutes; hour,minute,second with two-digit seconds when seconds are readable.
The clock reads 4,42
